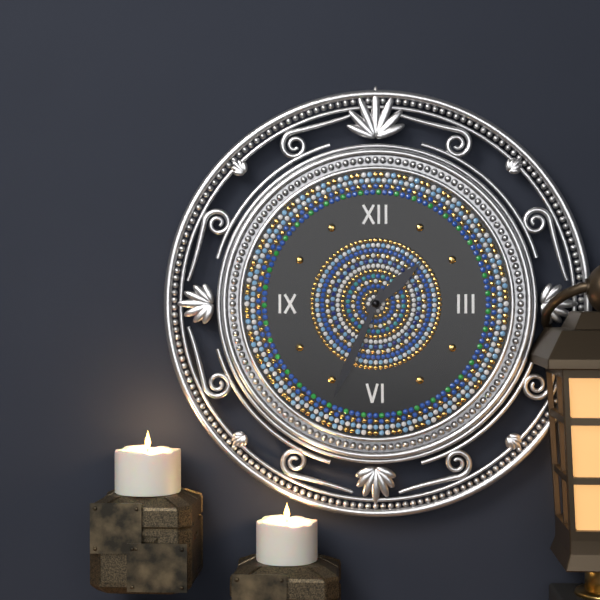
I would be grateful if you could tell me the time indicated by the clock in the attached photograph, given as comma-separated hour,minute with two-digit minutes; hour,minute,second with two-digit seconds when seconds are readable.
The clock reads 1,34
